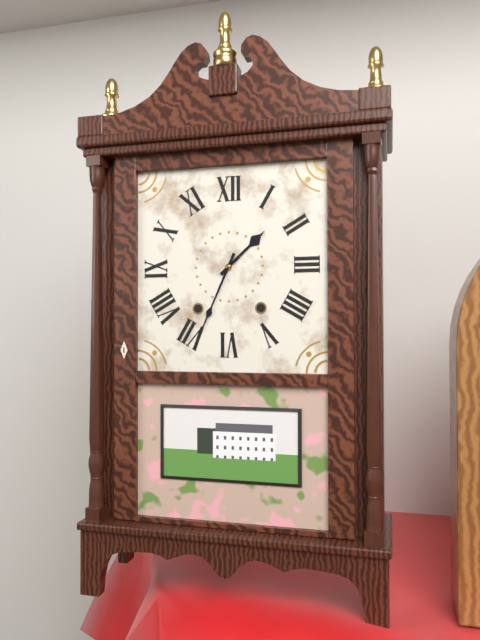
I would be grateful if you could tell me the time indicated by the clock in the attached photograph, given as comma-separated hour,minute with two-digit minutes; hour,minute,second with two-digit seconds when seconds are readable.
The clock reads 1,34
